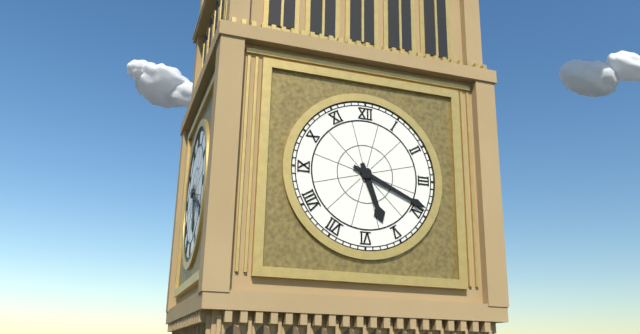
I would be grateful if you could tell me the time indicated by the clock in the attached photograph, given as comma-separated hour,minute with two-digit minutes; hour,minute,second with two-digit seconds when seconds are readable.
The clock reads 5,19
